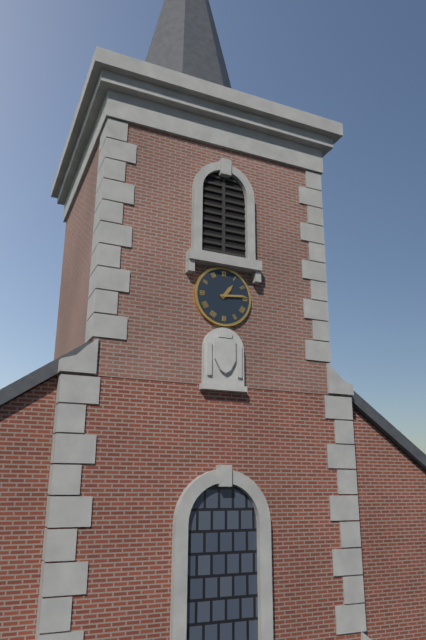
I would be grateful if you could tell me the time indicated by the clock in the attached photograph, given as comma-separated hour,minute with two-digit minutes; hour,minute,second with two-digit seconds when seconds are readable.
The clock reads 1,14
